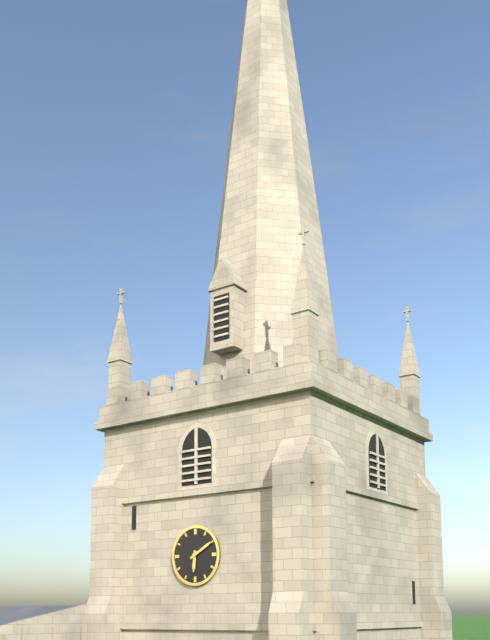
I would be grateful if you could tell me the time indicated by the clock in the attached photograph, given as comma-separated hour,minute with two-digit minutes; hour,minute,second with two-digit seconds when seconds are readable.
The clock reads 6,10
